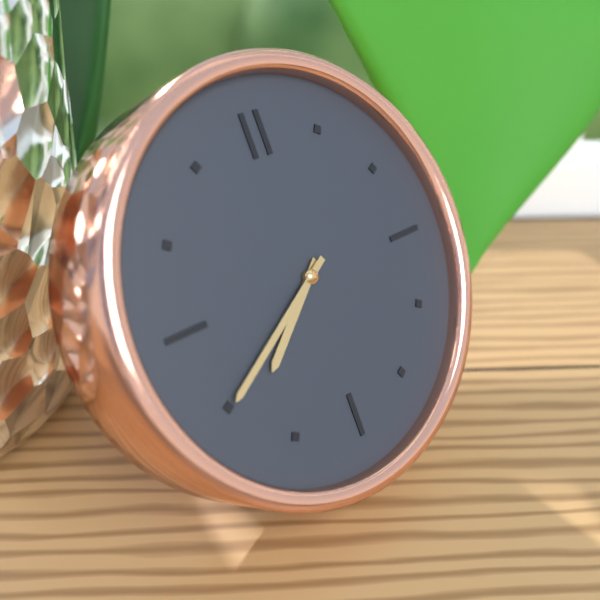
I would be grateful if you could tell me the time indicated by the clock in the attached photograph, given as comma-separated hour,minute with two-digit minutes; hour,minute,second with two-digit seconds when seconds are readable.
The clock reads 7,40
